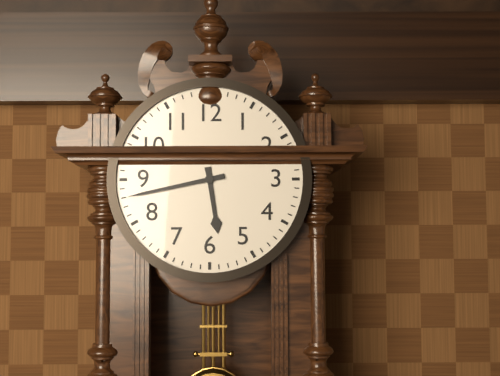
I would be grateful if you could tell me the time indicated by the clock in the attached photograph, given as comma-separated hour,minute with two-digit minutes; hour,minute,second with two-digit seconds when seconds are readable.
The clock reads 5,43
